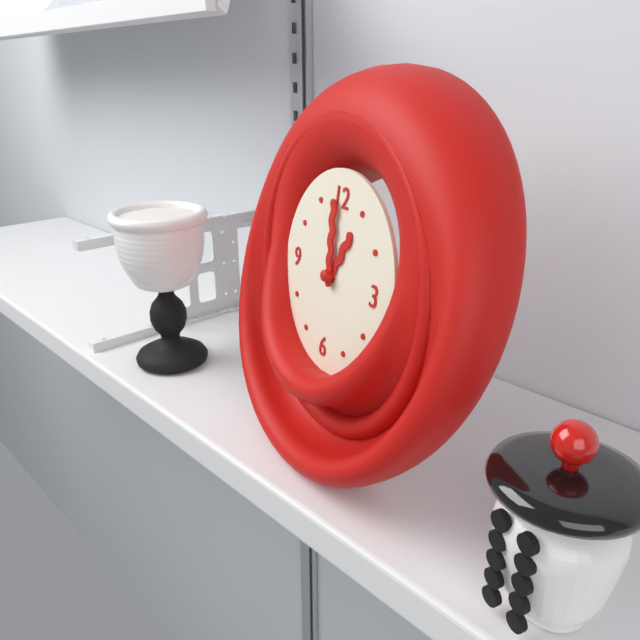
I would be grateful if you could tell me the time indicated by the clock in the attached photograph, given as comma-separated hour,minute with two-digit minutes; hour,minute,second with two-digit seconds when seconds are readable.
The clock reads 12,59
